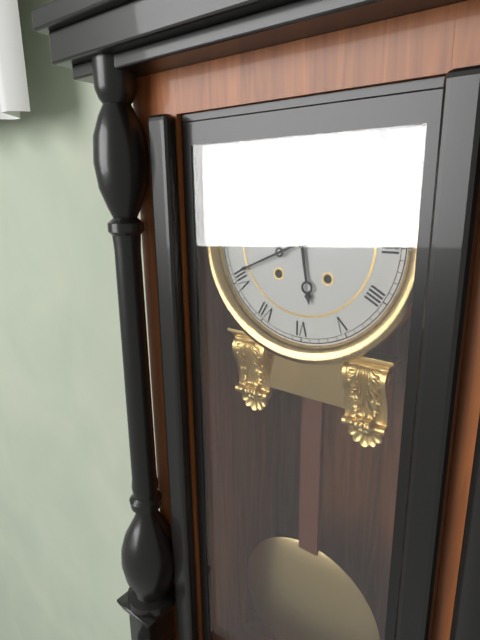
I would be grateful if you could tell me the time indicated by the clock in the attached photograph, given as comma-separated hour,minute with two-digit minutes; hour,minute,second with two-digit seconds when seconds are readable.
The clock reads 5,41
